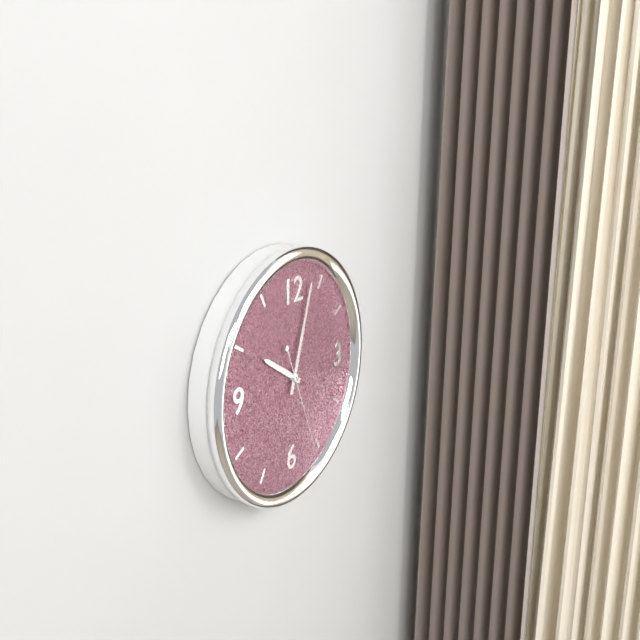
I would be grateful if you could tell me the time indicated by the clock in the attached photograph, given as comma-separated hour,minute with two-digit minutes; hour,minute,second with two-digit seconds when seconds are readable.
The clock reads 10,03,26
